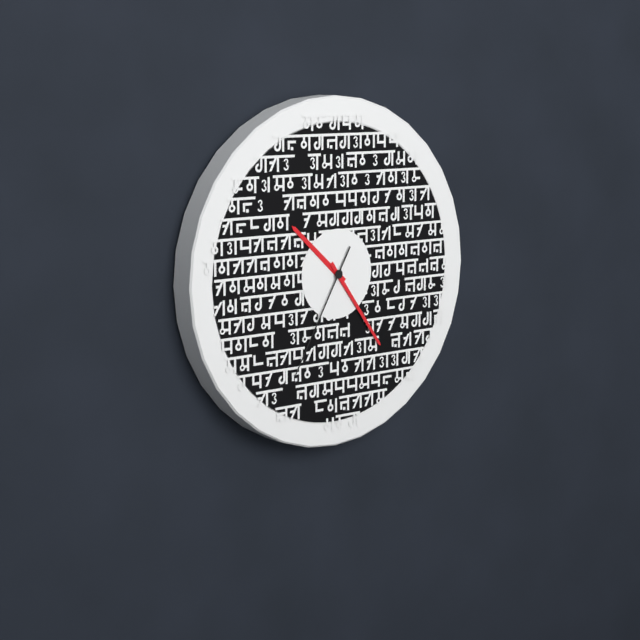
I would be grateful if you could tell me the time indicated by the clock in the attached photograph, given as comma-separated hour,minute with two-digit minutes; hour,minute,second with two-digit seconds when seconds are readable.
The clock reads 10,24,35
